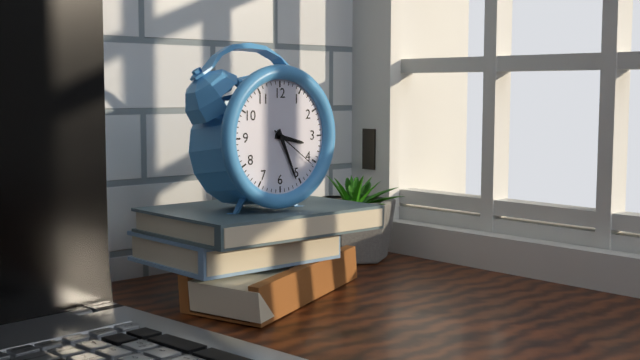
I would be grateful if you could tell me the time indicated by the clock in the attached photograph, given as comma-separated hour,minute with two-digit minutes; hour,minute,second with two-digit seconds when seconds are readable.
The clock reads 3,26,21
